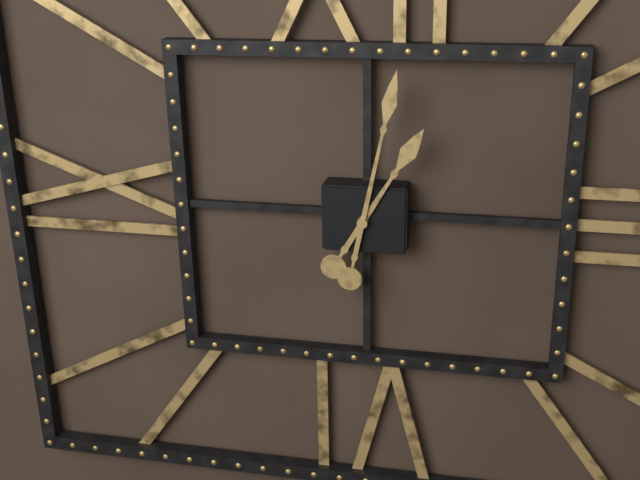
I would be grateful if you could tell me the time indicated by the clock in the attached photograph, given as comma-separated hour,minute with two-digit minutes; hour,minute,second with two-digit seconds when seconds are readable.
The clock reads 1,02
